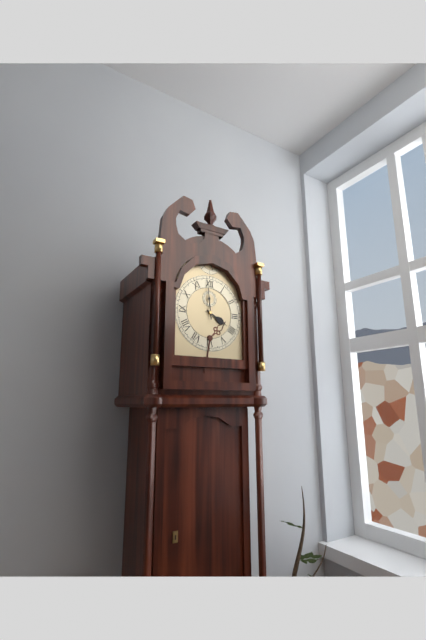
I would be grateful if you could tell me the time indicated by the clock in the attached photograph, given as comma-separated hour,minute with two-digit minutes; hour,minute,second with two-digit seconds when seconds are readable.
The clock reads 3,59
